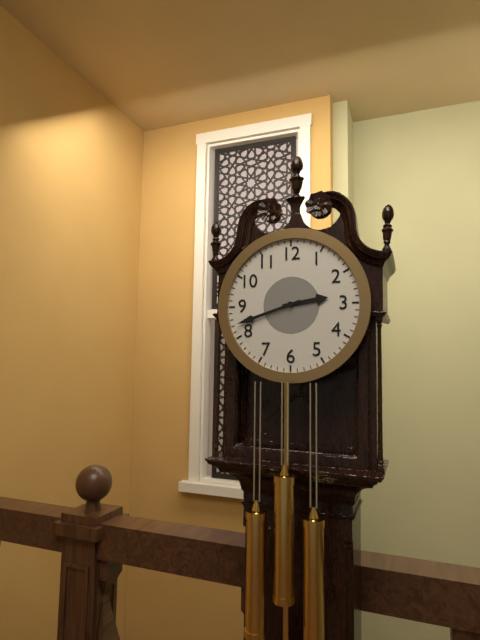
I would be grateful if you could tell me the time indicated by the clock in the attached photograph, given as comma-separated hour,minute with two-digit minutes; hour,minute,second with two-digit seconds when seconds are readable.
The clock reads 2,42
